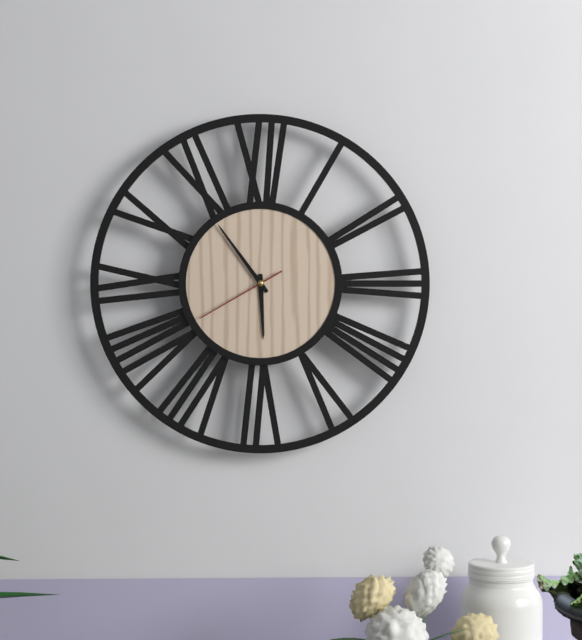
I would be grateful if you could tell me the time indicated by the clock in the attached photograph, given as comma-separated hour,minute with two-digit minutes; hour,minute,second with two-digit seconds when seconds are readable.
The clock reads 5,54,40
